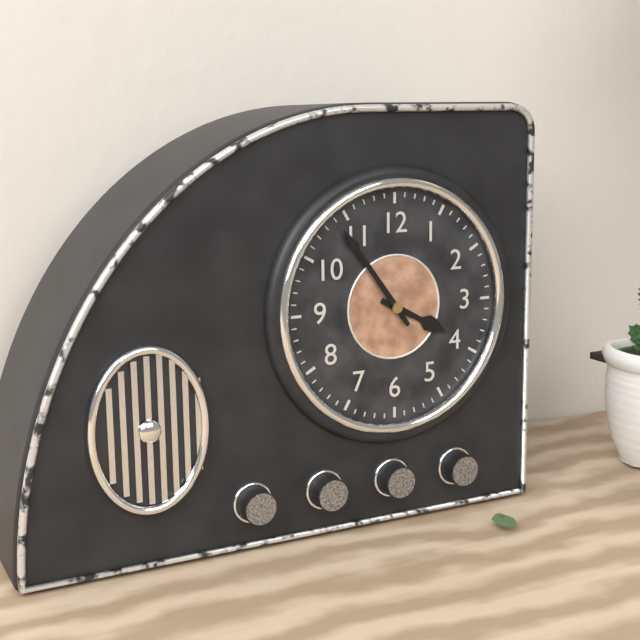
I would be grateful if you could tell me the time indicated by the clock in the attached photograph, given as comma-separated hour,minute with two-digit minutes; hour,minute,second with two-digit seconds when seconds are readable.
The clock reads 3,54
